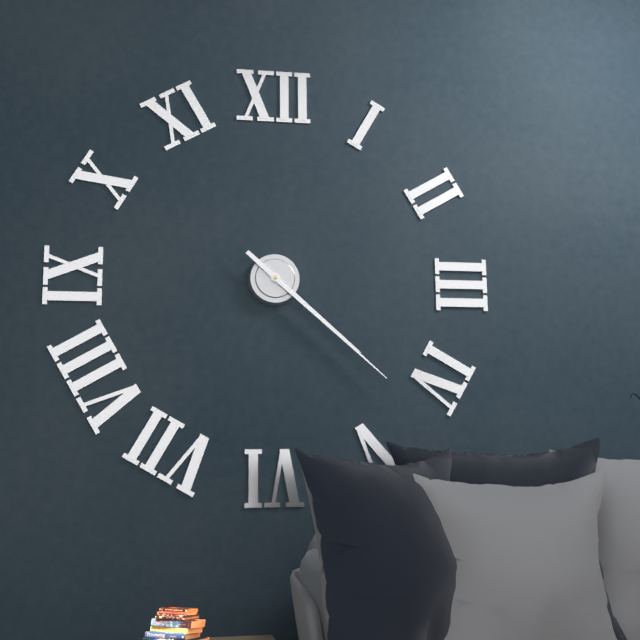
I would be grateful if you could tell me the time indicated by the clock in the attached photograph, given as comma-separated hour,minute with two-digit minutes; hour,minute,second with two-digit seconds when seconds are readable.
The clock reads 4,22
